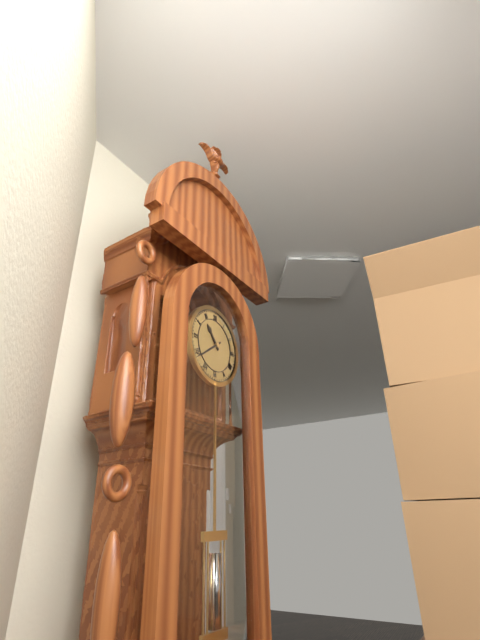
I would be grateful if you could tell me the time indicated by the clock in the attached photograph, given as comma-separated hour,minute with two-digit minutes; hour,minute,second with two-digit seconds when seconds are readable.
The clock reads 10,39
